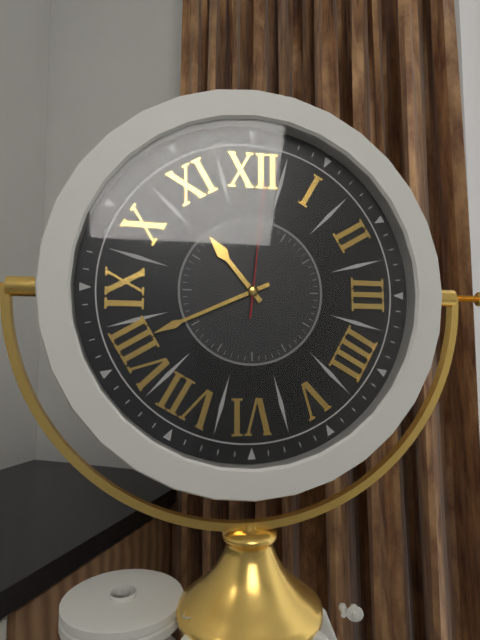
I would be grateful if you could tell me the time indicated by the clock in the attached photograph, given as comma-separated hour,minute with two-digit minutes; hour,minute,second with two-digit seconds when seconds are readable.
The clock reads 10,41,01
